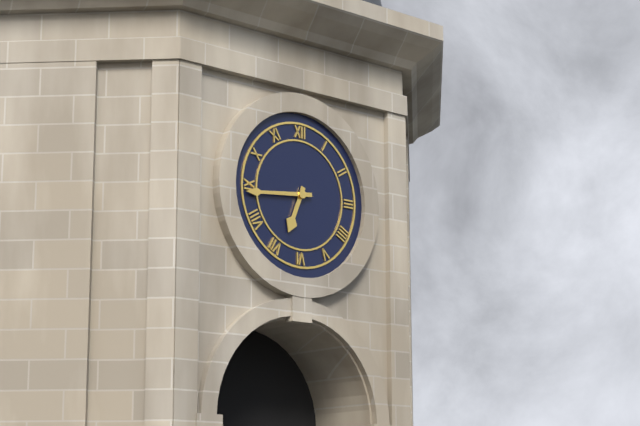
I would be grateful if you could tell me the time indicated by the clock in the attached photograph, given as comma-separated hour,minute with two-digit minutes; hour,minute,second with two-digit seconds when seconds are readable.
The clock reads 6,44
